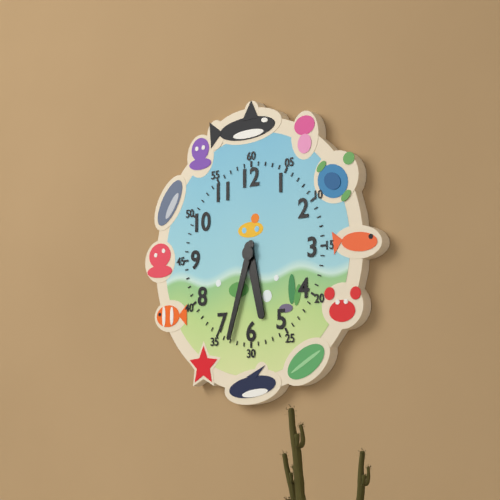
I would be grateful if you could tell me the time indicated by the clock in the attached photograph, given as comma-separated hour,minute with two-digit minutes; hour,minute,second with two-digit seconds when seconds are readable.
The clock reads 5,33
